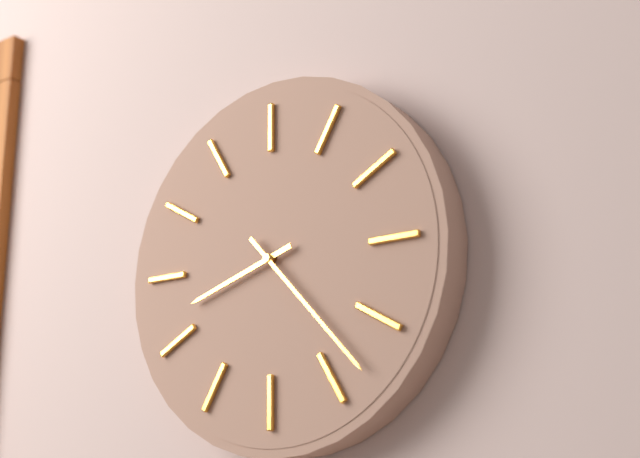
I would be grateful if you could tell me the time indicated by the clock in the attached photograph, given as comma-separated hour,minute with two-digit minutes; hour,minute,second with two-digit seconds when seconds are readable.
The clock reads 8,23
